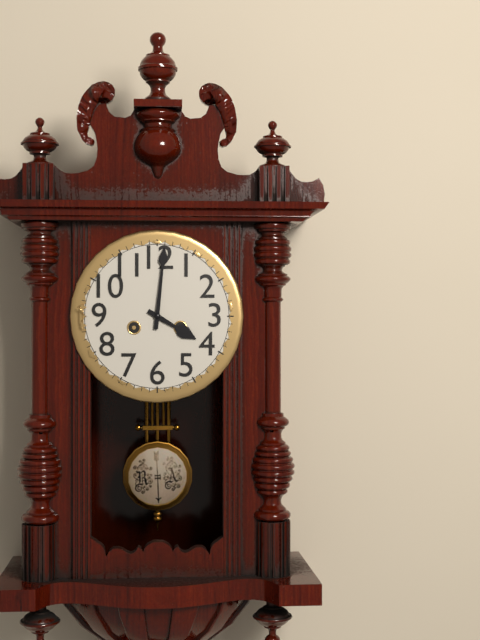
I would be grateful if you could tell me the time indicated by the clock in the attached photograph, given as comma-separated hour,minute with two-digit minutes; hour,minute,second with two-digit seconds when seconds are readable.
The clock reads 4,01
